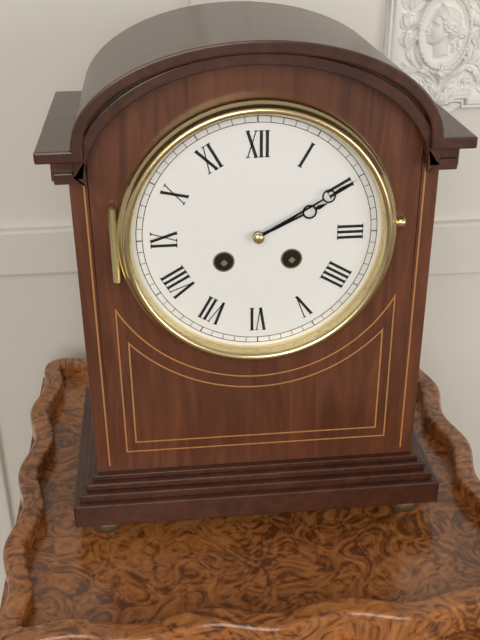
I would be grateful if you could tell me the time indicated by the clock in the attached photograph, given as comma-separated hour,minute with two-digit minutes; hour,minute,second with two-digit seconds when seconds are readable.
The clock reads 2,10
